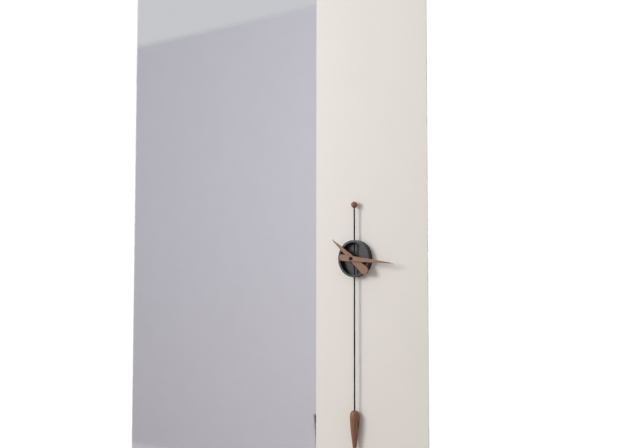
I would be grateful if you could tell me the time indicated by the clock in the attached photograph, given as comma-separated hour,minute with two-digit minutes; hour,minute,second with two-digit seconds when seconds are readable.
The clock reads 10,16
